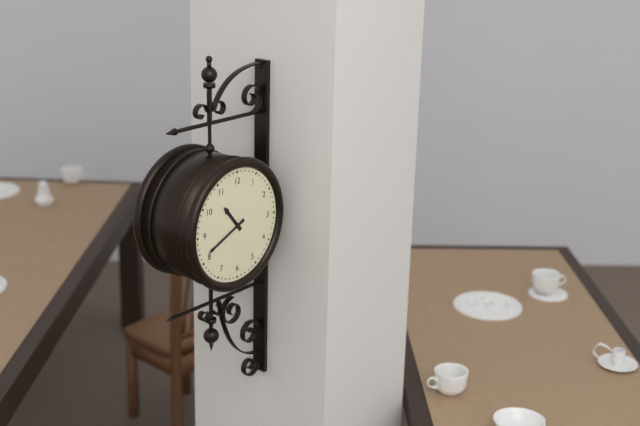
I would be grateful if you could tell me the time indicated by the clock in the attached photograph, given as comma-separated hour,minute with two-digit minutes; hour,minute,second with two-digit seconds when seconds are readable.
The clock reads 10,41
